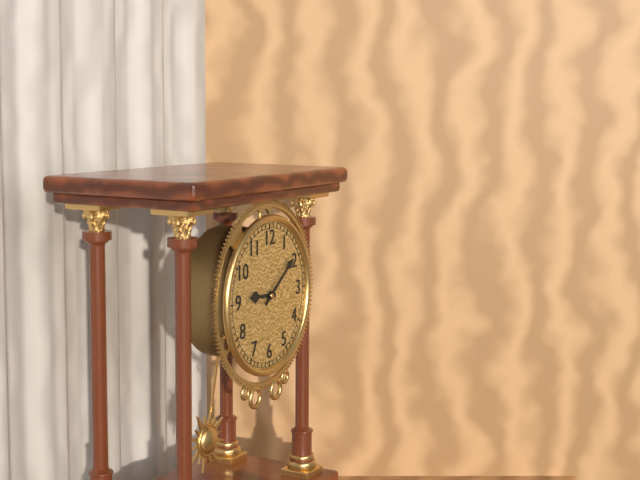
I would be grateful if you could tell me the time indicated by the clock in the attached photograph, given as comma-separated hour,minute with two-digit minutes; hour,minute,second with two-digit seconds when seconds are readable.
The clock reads 9,09
